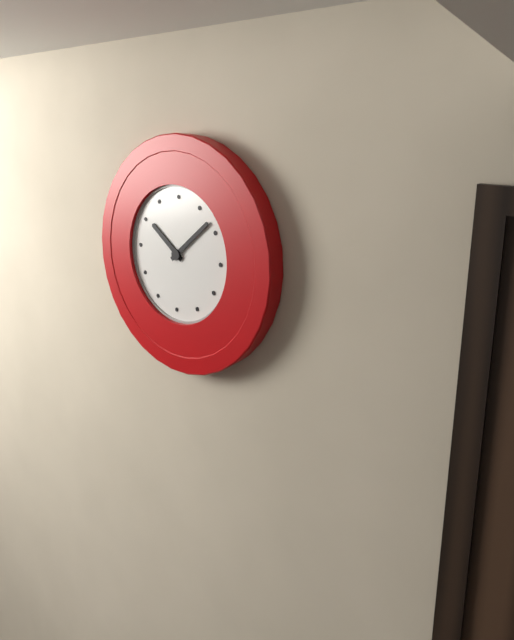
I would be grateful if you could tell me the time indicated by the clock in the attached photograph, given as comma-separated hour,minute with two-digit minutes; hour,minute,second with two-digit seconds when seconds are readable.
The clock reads 10,08
